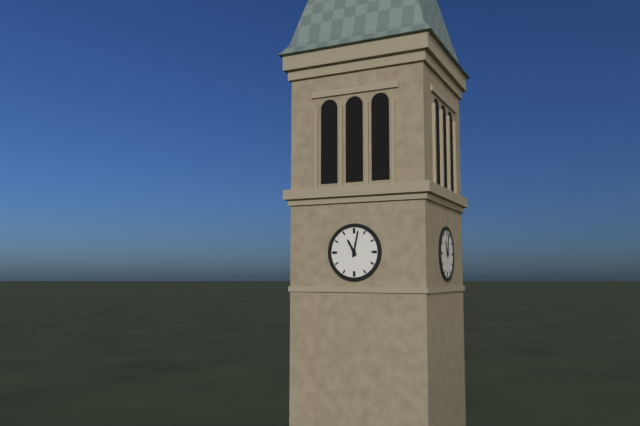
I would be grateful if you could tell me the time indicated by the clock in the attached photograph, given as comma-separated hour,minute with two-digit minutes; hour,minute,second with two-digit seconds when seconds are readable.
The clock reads 11,02
